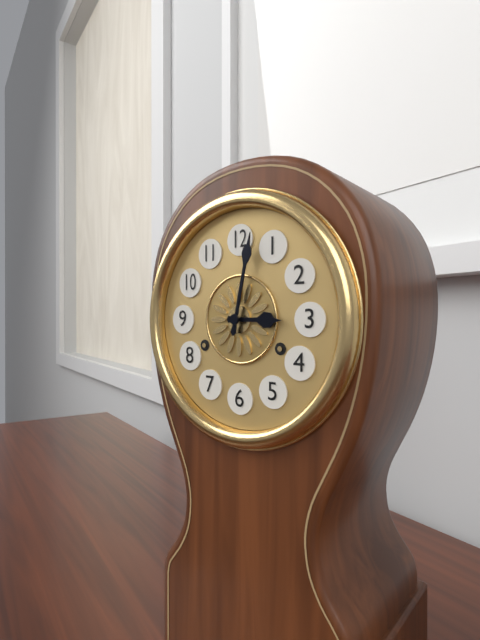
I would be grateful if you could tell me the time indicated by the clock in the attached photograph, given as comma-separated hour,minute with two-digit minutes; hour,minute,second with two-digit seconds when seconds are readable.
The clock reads 3,02
